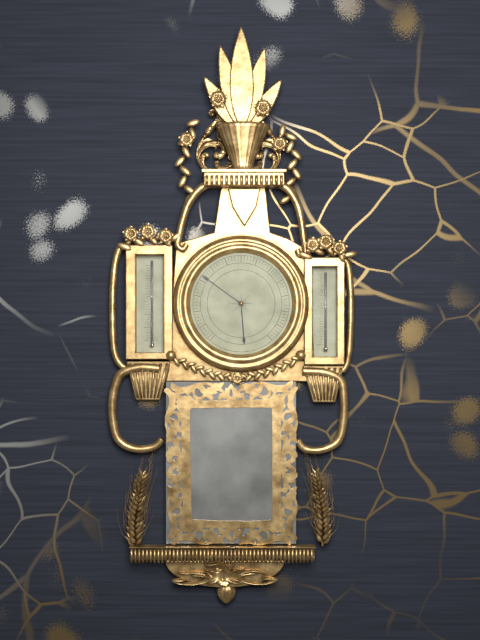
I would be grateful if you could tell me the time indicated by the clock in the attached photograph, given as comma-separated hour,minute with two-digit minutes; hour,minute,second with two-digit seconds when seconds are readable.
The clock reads 5,51
